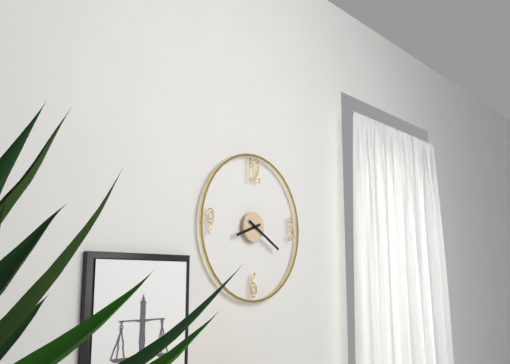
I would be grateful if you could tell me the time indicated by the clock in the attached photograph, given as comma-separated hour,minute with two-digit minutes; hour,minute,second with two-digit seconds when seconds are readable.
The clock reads 8,20
